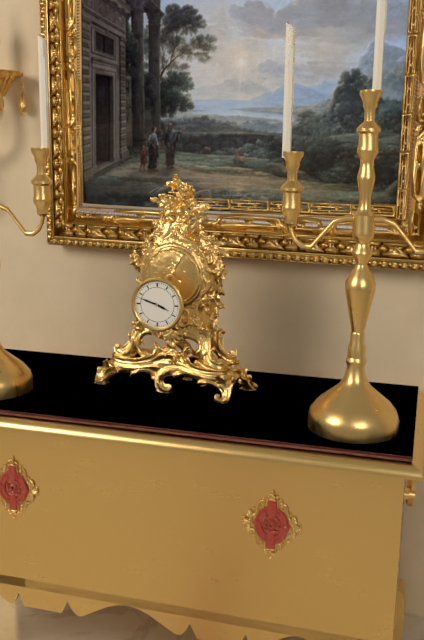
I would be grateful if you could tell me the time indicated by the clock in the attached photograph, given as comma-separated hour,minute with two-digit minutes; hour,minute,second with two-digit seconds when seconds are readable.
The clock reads 3,48
